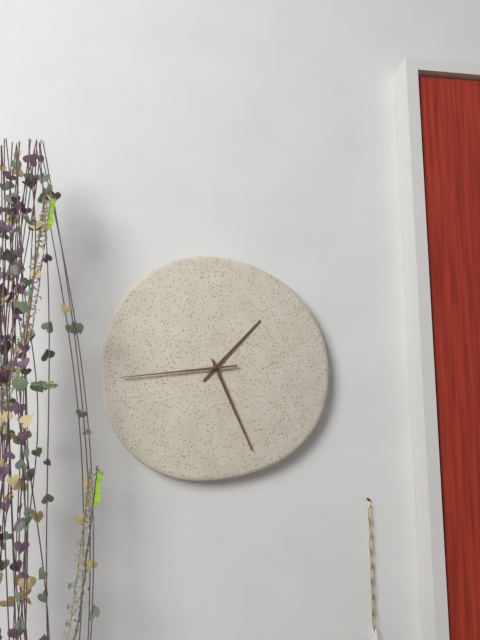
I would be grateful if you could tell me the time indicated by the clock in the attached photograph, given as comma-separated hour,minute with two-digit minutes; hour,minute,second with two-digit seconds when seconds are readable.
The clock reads 1,26,44
